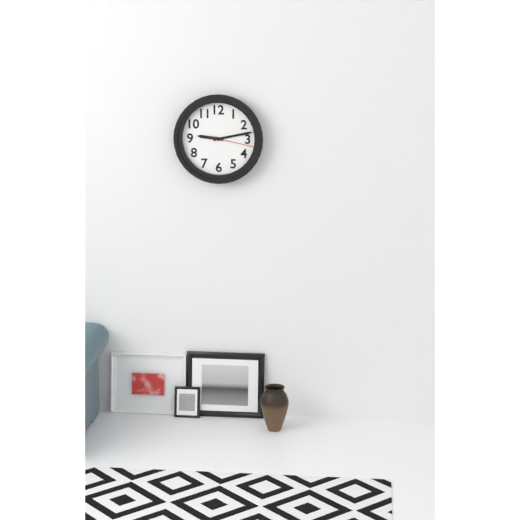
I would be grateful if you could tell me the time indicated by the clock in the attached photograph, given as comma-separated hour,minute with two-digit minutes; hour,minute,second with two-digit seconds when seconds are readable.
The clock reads 9,13
